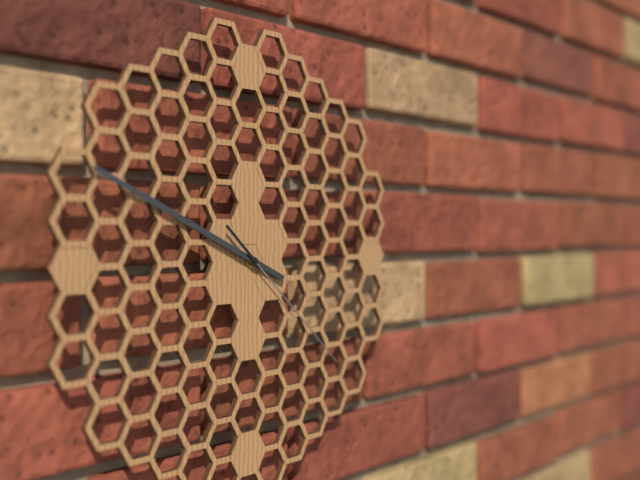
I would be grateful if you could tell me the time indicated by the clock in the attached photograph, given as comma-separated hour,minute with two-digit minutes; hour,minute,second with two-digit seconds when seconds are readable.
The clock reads 9,49,22
